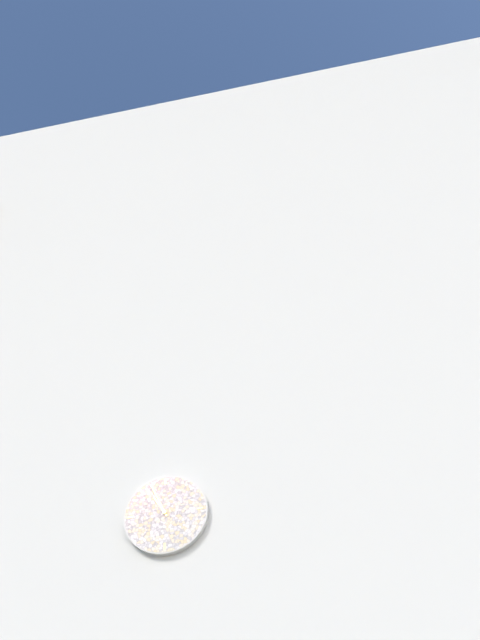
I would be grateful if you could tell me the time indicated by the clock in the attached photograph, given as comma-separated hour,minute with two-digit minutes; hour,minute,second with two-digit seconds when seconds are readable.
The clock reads 10,56
